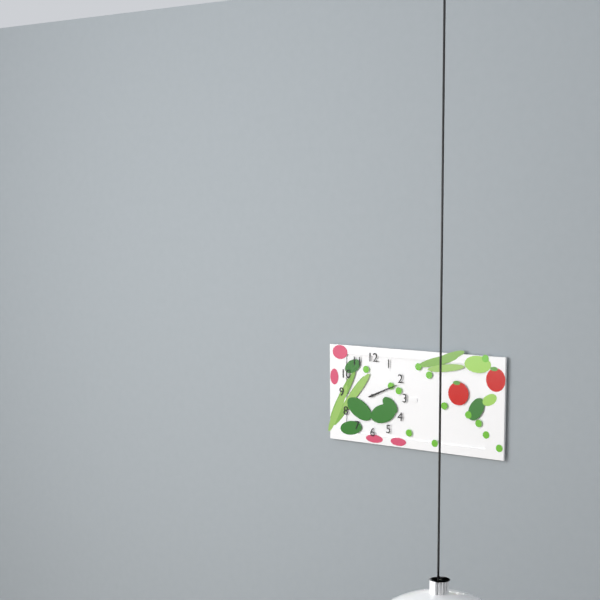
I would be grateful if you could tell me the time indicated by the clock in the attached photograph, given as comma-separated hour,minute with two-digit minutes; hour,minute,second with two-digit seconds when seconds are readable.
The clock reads 2,11
